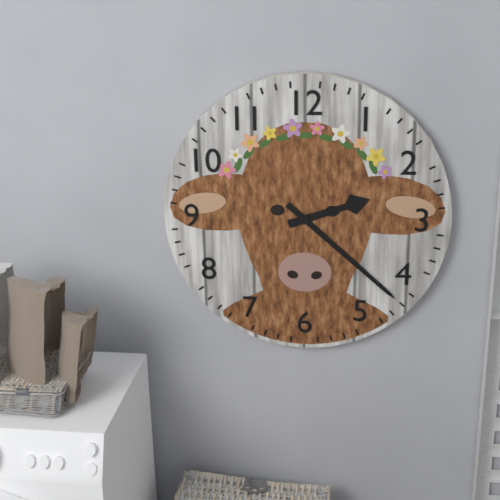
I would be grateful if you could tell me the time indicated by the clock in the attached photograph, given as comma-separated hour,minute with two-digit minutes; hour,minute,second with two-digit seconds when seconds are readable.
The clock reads 2,22
